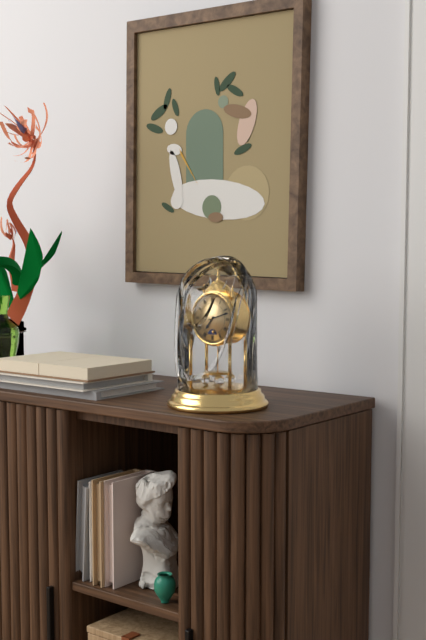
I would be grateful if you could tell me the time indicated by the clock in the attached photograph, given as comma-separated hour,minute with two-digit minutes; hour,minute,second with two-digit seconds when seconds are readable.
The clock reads 7,12
